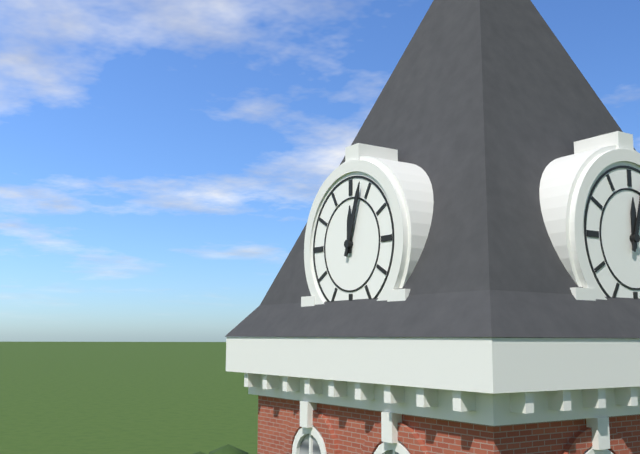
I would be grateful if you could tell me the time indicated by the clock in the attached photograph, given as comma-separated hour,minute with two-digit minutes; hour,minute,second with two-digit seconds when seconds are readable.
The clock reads 12,03
